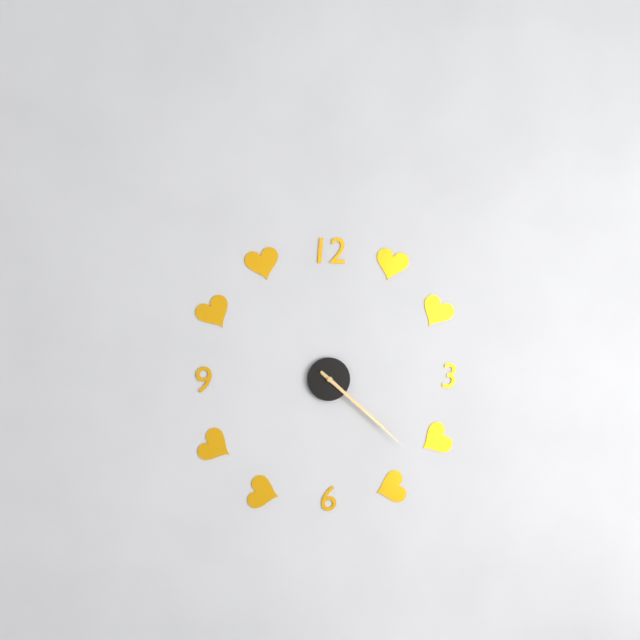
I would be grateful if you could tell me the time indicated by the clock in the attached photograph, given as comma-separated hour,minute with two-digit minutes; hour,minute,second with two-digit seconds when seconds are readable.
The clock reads 4,22
